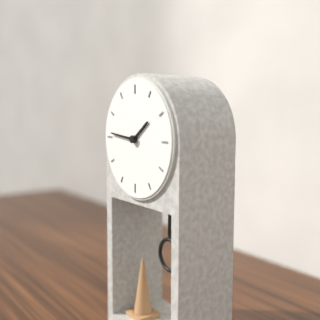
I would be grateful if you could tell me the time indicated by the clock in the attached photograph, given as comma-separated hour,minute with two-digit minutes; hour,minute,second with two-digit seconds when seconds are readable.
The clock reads 1,46
